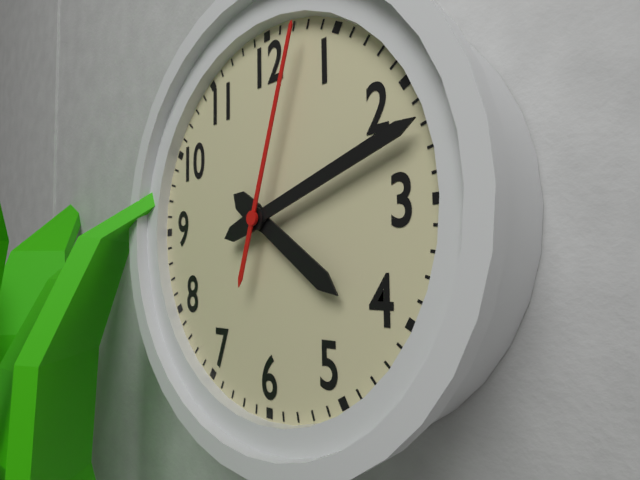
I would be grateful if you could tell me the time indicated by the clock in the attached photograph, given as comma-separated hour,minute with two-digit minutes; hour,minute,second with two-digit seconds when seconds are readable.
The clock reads 4,12,03
